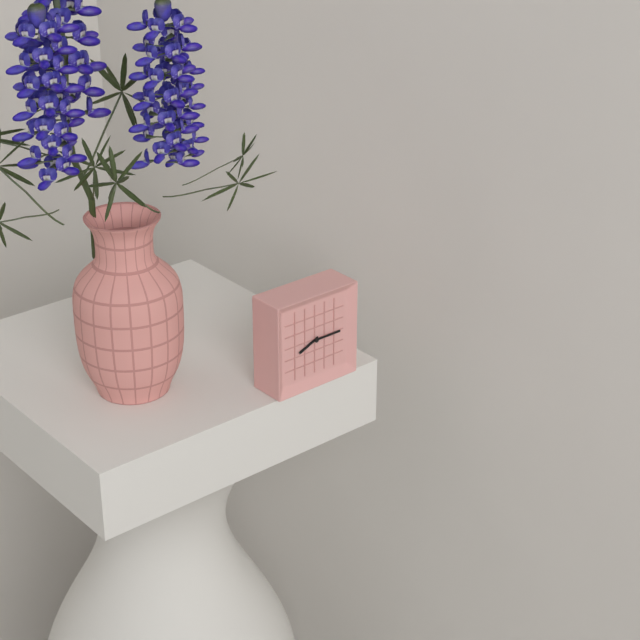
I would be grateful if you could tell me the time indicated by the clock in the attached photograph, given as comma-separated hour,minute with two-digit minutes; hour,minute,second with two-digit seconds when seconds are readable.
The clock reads 8,15
